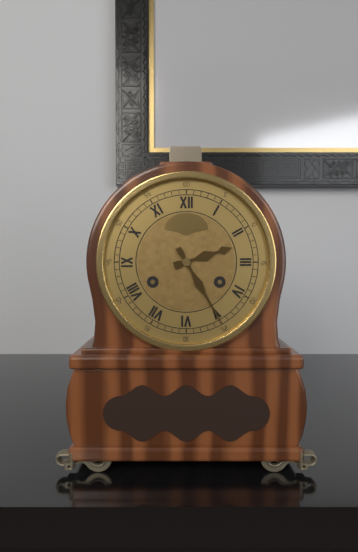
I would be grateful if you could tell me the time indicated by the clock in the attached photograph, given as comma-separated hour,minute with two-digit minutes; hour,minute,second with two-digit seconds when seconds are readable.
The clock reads 2,25
